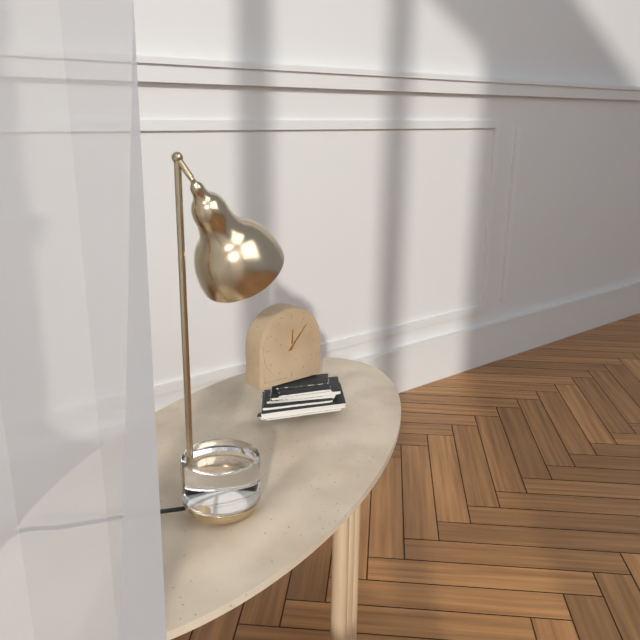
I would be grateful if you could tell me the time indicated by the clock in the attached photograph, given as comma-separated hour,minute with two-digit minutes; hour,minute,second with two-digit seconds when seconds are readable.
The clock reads 12,07
